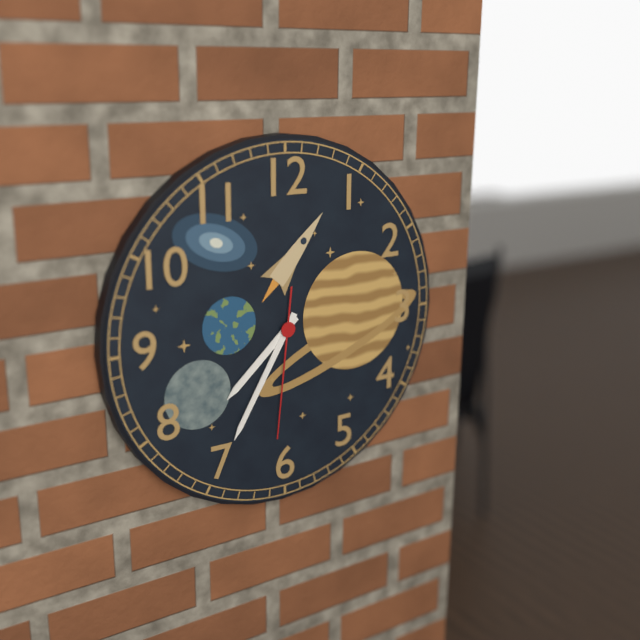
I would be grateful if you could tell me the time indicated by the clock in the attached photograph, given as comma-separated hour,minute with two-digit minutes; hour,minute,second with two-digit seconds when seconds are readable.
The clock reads 7,35,31
